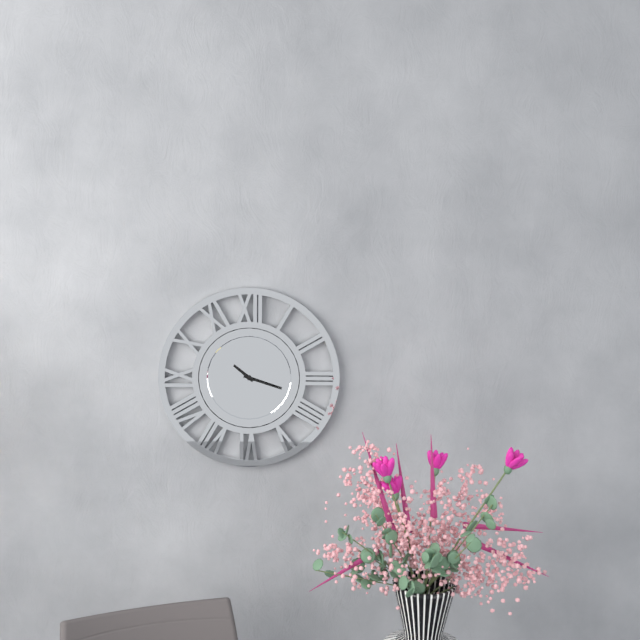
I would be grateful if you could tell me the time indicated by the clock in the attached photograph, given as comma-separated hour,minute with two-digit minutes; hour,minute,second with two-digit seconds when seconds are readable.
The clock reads 10,18
